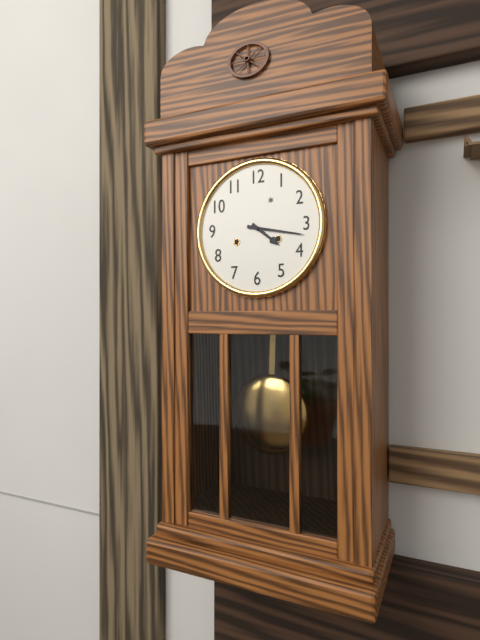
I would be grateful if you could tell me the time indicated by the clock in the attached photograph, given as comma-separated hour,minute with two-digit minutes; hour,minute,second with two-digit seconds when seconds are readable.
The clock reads 4,17
